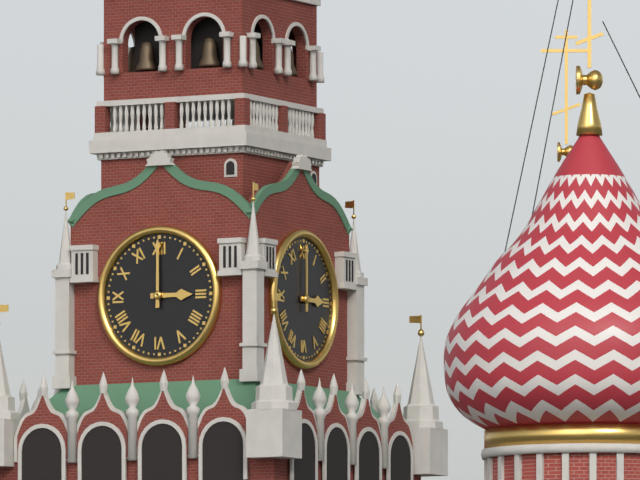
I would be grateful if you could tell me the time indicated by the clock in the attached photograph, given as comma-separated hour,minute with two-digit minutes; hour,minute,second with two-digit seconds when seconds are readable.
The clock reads 3,00
